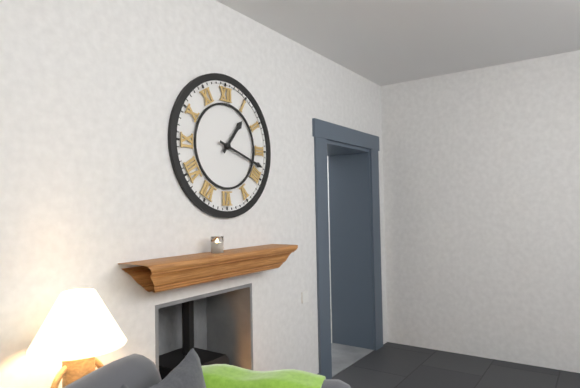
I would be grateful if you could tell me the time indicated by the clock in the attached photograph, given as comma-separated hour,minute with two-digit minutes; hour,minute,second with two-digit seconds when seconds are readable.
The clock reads 1,18
